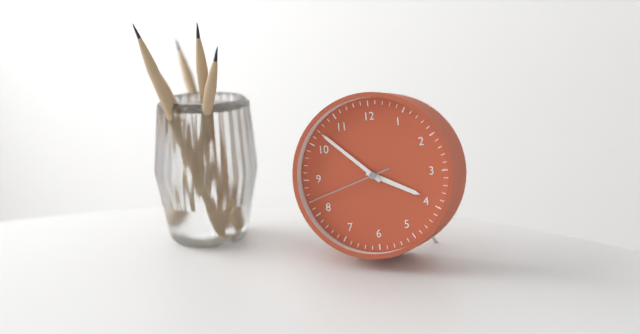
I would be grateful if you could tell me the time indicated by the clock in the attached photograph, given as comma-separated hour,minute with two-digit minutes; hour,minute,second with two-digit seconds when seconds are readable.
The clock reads 3,52,42
